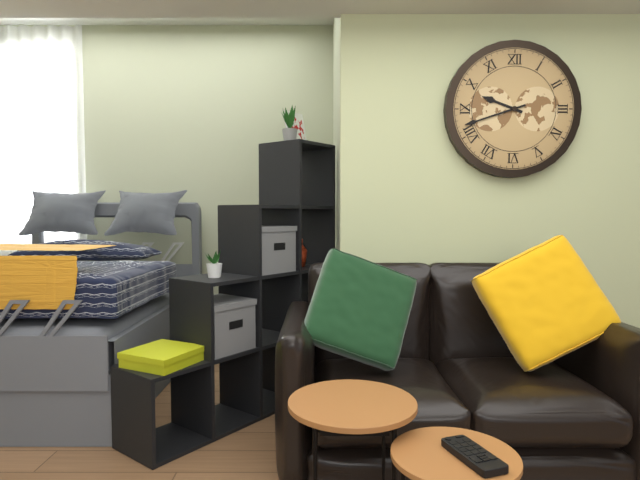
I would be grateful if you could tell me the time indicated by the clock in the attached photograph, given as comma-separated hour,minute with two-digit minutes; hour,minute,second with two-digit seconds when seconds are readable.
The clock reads 9,42
